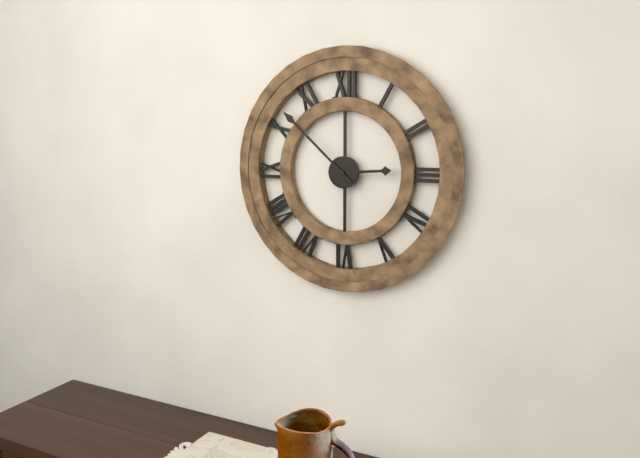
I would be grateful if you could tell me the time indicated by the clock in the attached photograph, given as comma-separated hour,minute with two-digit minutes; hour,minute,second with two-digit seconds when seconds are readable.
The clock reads 2,52
